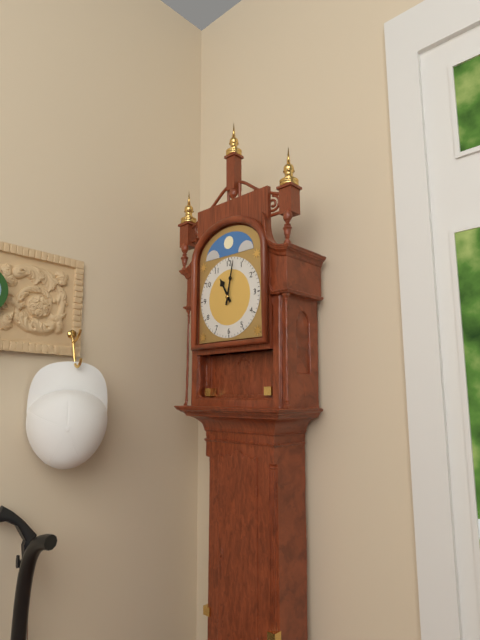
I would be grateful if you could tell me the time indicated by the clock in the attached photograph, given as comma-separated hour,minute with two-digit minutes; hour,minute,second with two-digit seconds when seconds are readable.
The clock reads 11,02
